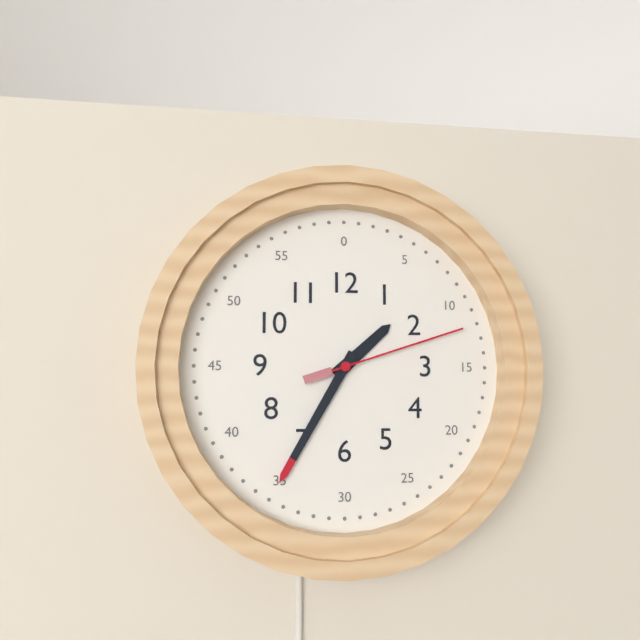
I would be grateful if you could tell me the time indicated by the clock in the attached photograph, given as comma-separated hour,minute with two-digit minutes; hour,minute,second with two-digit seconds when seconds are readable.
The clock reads 1,35,12
